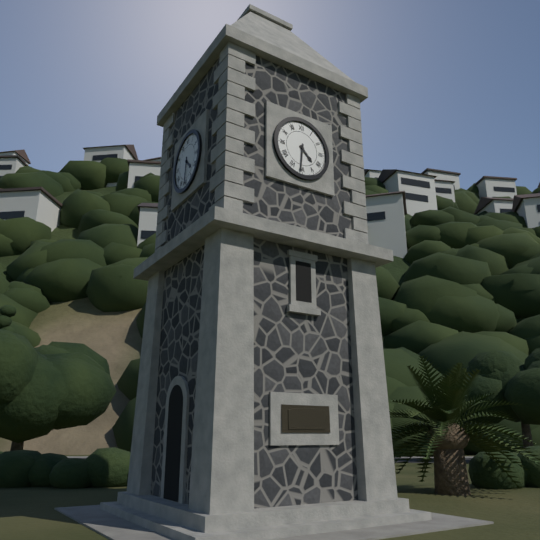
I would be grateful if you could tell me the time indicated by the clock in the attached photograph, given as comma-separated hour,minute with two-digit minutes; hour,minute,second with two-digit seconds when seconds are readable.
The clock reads 4,31
